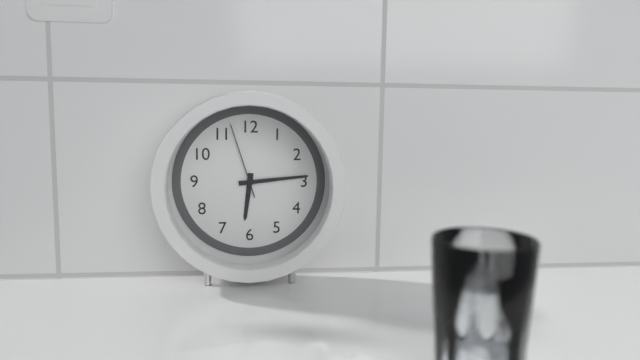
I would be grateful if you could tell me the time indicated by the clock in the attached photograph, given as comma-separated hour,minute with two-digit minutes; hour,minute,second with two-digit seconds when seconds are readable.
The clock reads 6,14,57
